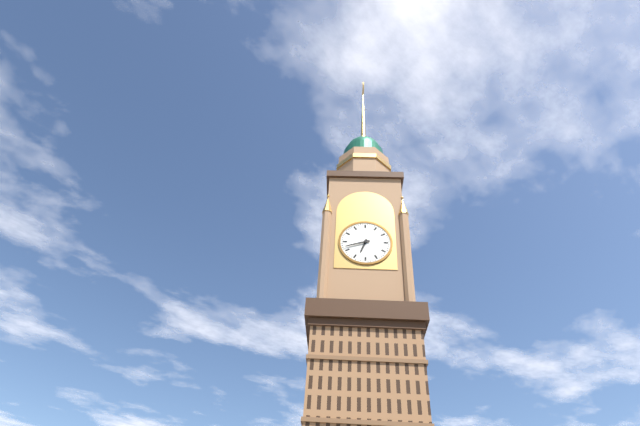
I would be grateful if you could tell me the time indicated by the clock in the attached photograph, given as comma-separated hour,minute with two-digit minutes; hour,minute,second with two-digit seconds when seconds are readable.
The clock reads 6,42
